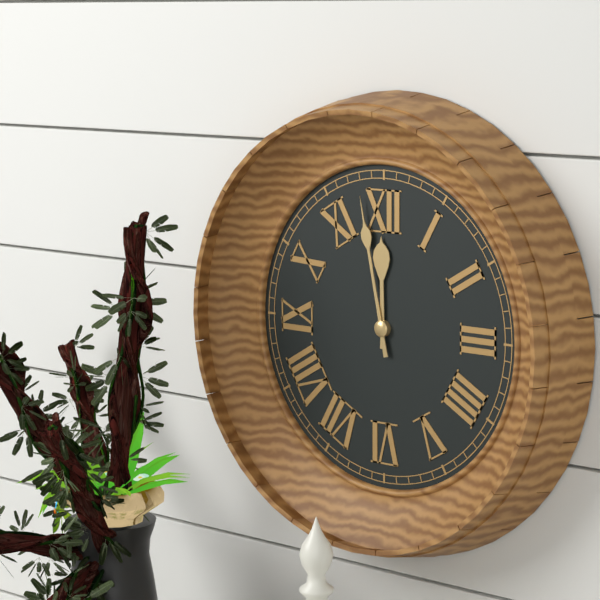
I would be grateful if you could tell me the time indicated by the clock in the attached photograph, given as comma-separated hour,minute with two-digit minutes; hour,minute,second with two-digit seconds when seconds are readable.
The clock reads 11,58
